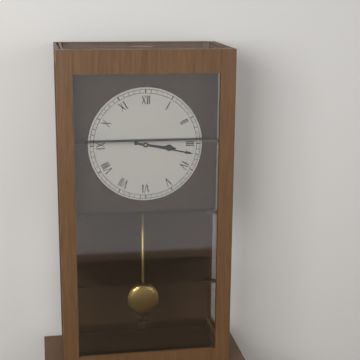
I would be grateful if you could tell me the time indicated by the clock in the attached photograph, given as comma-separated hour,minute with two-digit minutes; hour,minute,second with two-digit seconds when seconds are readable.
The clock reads 3,17
